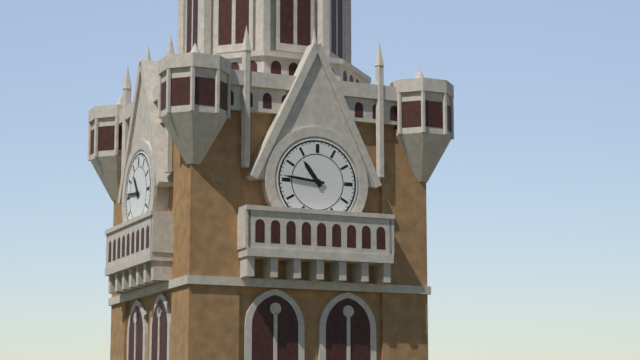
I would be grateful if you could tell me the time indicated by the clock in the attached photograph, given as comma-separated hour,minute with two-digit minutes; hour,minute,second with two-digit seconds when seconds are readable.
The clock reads 10,46
